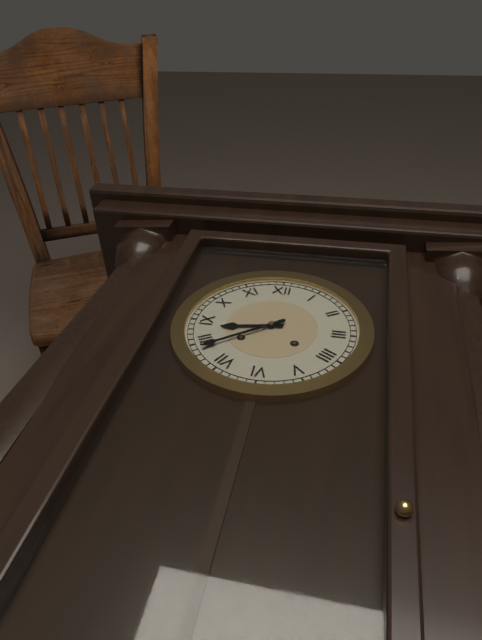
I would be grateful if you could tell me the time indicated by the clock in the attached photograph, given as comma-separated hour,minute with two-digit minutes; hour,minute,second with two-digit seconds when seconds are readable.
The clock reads 8,39
